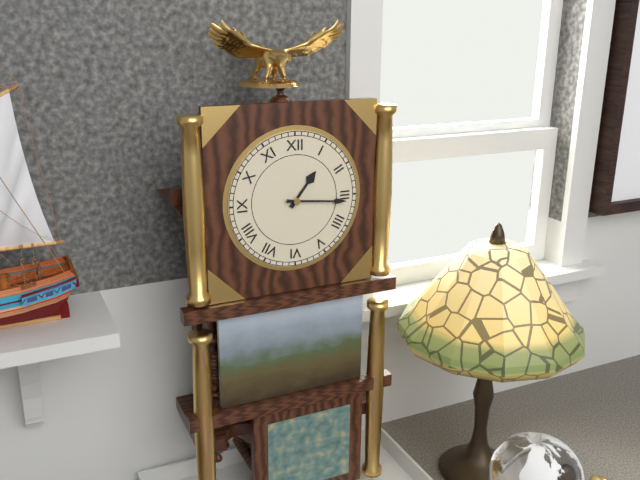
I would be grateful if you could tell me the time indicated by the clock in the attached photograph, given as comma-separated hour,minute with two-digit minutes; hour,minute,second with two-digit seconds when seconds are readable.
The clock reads 1,16
